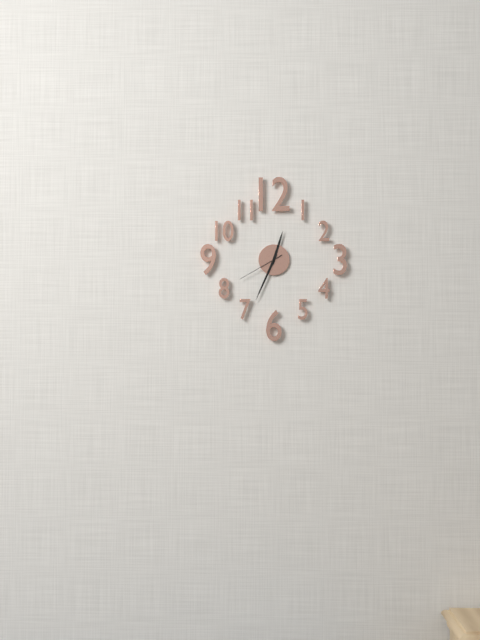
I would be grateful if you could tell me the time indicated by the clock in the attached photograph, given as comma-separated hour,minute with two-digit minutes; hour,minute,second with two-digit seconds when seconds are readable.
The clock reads 12,34
